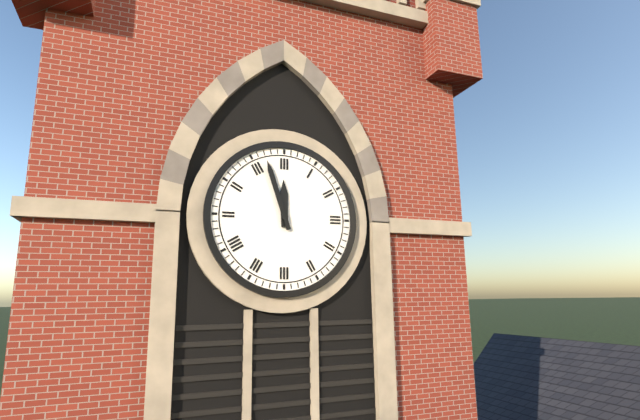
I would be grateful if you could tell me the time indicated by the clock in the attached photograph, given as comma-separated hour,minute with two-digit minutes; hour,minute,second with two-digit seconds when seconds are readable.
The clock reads 11,57
